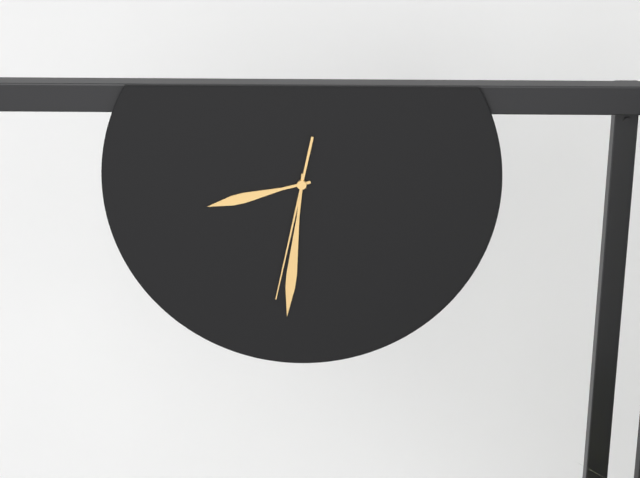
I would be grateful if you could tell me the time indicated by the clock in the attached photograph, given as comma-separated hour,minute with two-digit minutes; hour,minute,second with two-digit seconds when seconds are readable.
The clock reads 8,31,32
